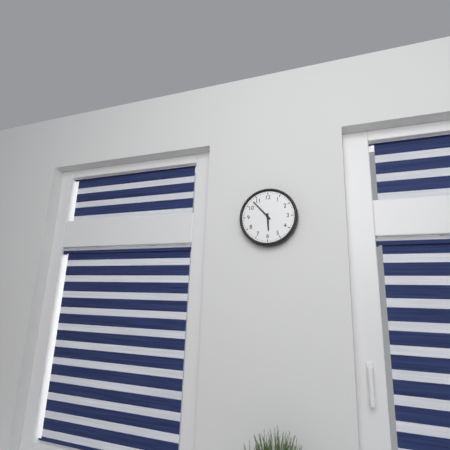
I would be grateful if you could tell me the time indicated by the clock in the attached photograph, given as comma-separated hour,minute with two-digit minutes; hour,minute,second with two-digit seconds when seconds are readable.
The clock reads 5,53
